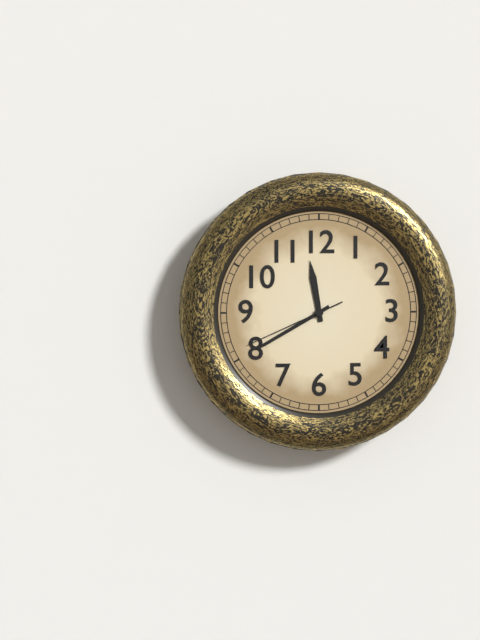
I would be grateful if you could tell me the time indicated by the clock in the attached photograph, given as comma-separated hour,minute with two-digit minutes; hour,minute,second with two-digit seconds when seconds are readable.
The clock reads 11,40,41
